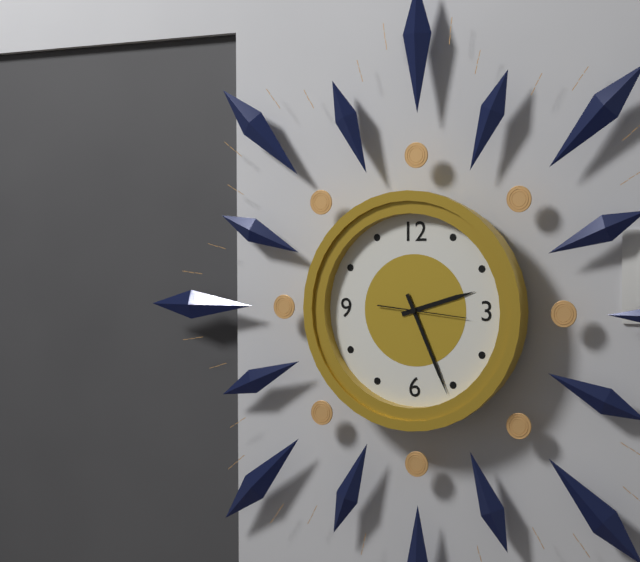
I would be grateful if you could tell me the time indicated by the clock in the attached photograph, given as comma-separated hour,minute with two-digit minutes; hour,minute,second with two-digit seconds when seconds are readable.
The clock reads 2,26,16
